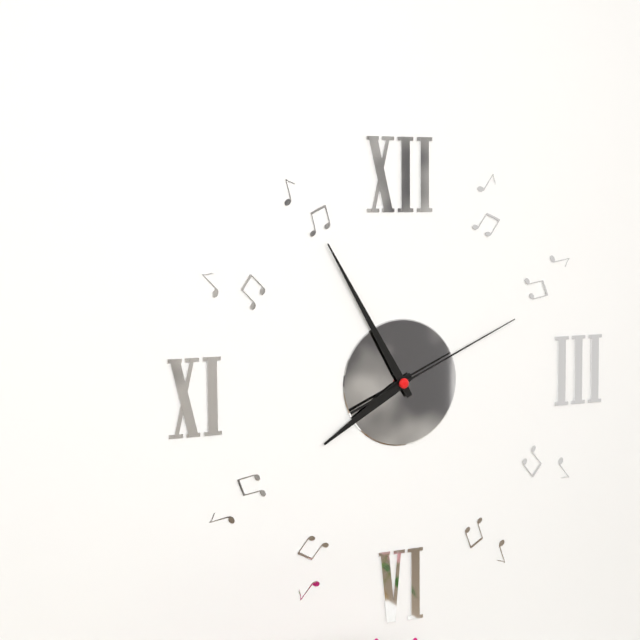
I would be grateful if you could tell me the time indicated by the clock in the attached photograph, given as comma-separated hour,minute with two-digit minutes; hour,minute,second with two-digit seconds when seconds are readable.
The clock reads 7,55,11
